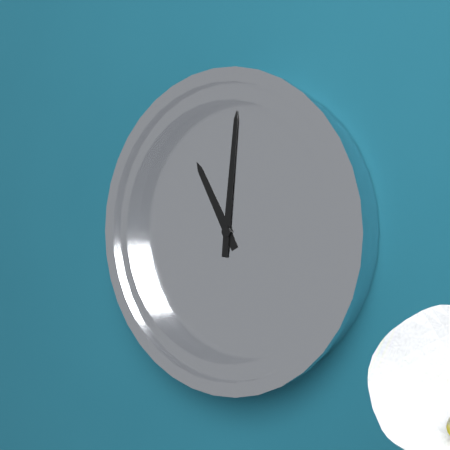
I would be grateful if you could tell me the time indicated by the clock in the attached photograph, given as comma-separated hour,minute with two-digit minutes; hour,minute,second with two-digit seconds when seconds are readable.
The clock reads 11,01
